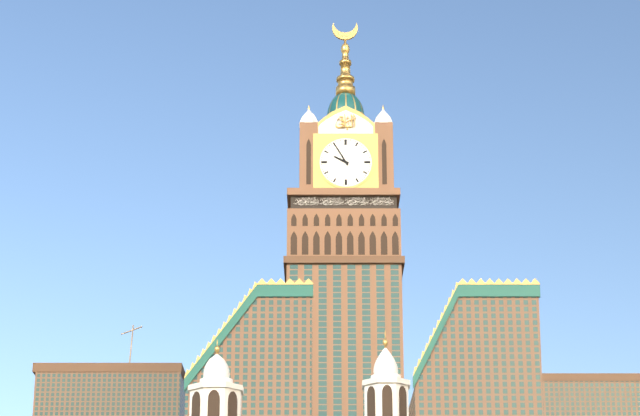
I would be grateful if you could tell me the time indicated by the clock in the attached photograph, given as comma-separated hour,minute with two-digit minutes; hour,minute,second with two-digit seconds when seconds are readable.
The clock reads 9,55
